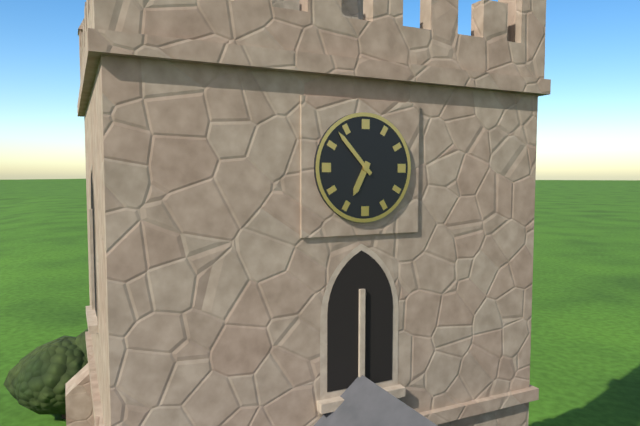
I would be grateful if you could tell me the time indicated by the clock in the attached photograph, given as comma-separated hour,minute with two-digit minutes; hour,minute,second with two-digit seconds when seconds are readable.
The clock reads 6,53
